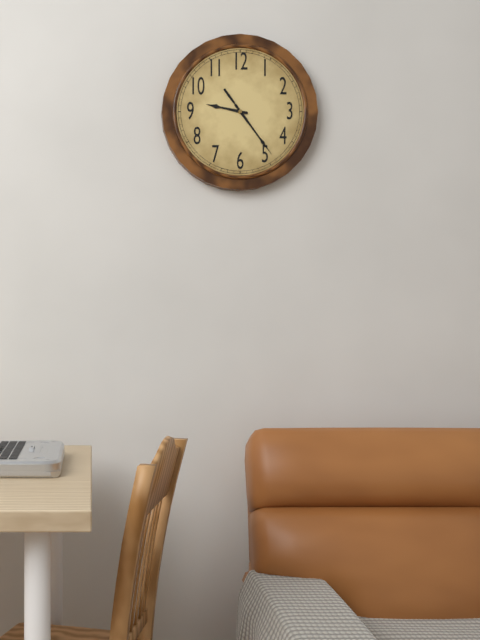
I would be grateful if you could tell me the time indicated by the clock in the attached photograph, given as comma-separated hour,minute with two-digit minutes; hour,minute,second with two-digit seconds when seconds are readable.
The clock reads 9,24,24
